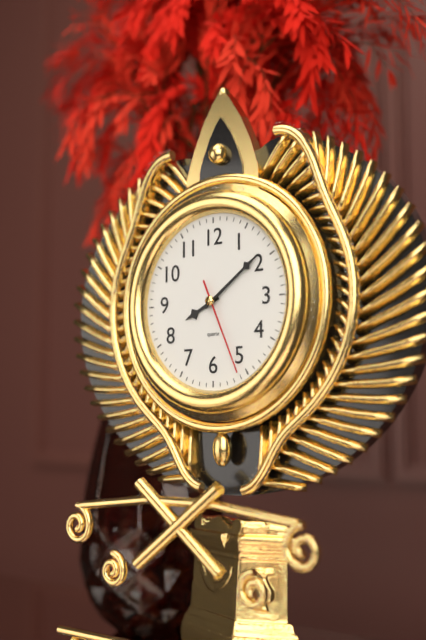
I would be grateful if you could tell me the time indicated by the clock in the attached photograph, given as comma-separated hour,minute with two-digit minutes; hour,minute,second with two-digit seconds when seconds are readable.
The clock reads 8,09,26
